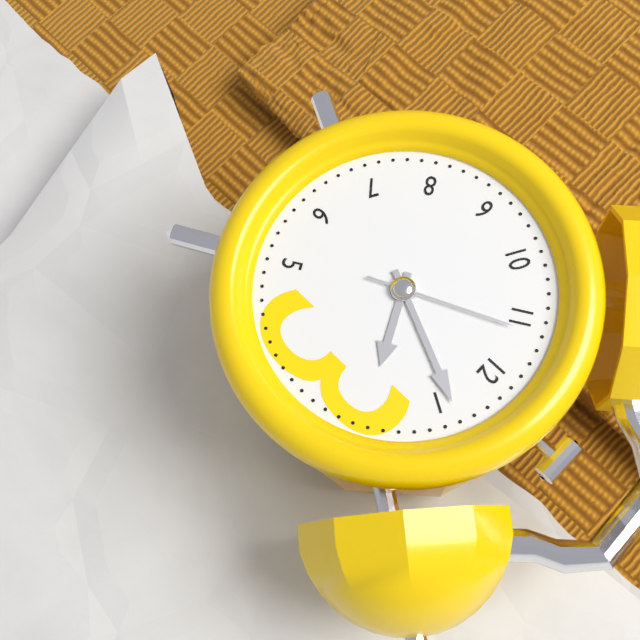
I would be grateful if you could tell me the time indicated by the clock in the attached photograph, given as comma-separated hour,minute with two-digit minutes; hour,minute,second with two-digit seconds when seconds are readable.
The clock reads 2,04,56
